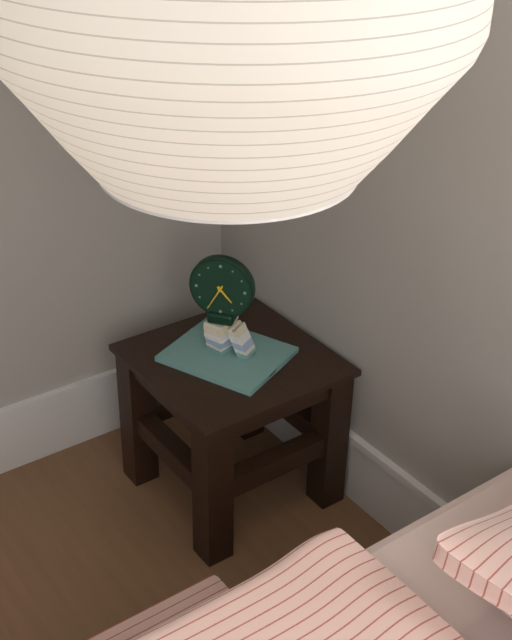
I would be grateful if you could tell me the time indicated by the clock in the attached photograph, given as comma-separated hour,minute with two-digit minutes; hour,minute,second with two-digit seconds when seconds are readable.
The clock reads 4,35
